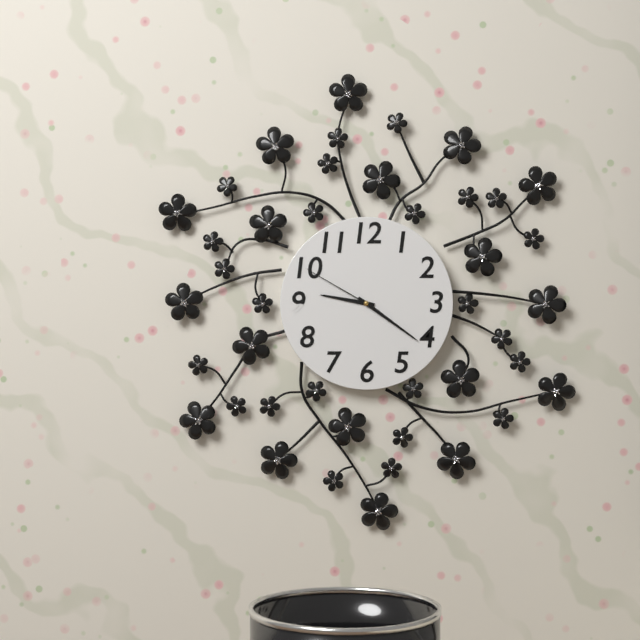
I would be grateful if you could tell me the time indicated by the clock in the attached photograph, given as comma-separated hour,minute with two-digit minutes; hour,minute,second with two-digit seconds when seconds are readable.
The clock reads 9,21,50
